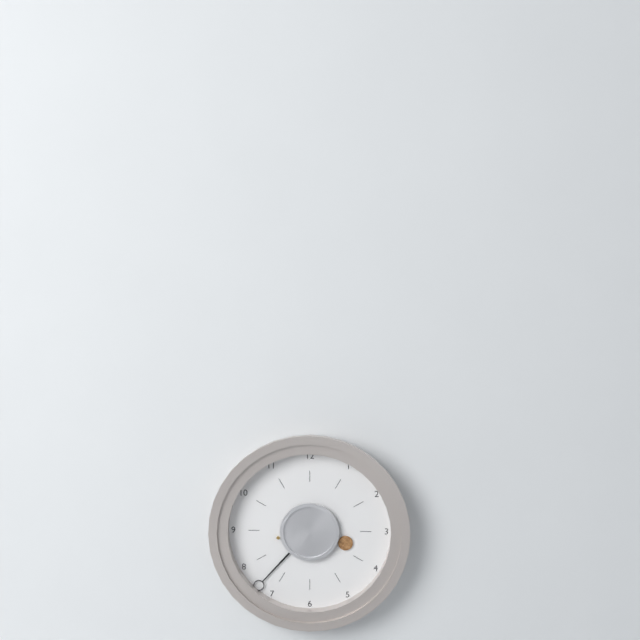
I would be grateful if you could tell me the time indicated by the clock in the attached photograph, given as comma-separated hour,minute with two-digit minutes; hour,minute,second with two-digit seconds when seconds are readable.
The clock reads 3,37
